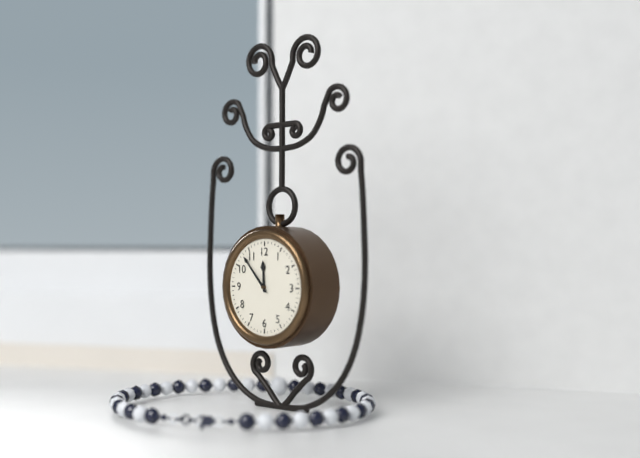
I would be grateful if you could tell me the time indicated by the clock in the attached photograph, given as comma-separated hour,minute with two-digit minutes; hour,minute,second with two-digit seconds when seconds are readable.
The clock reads 11,53
